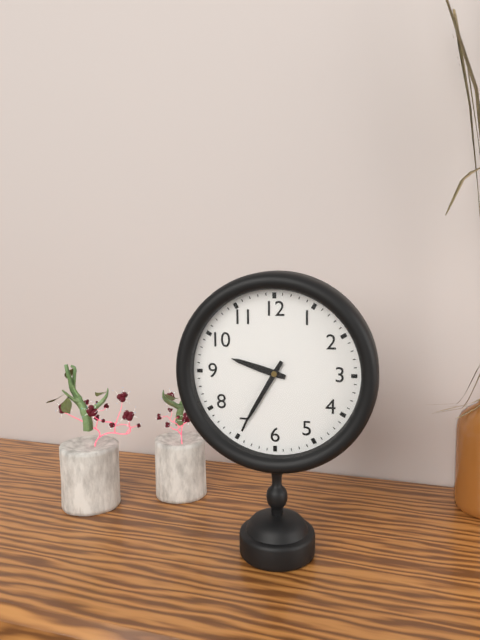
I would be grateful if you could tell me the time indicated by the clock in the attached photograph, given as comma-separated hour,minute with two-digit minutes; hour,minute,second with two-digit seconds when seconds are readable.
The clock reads 9,35
